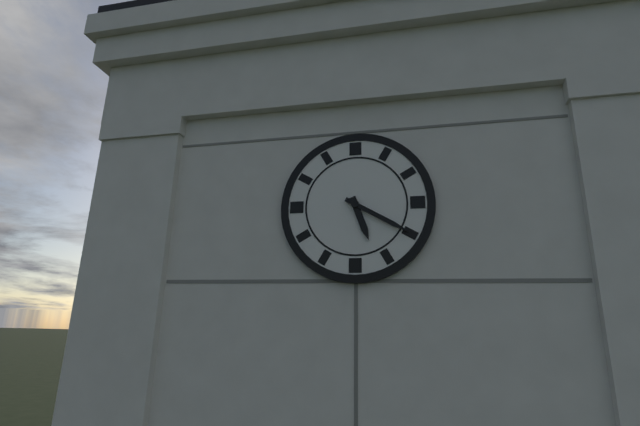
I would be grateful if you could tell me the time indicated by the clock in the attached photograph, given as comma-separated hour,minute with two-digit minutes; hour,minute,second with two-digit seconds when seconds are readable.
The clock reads 5,20
